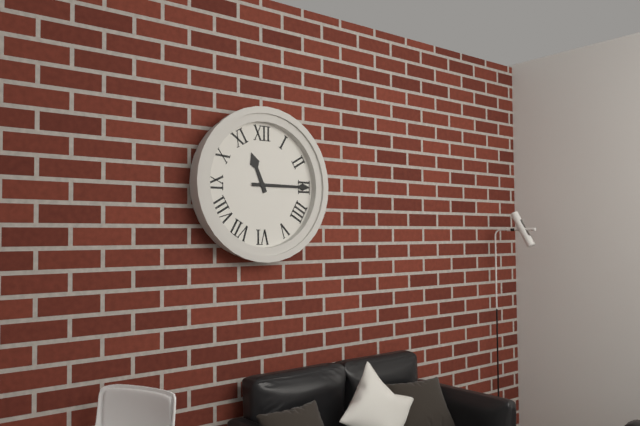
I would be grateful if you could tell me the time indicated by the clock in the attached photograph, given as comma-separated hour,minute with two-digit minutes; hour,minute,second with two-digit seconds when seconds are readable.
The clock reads 11,15
